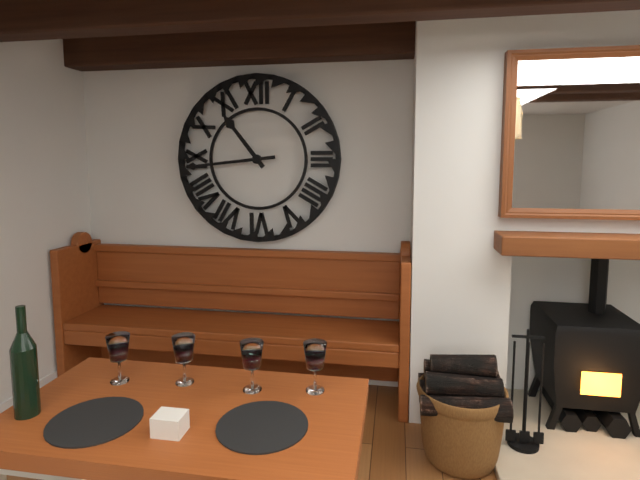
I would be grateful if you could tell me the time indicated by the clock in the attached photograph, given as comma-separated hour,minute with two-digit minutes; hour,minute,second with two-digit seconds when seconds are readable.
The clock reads 10,44
